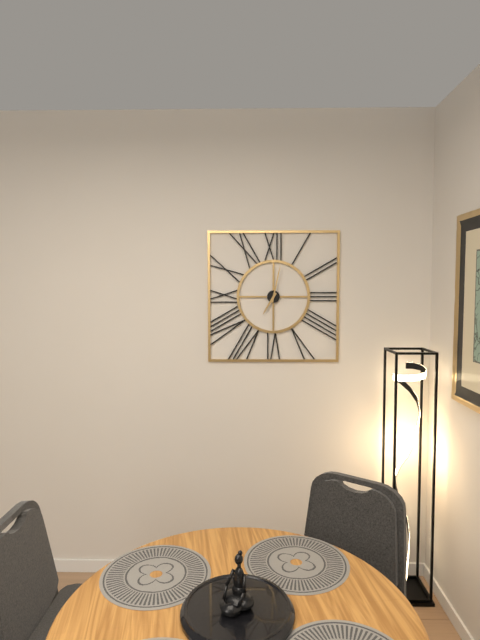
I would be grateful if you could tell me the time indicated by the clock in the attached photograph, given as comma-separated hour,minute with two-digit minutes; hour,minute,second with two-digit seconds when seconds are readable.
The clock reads 7,02
